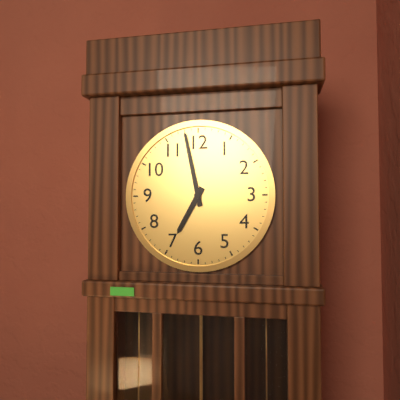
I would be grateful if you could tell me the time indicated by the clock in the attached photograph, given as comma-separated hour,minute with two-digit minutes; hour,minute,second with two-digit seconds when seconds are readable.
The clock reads 6,58
